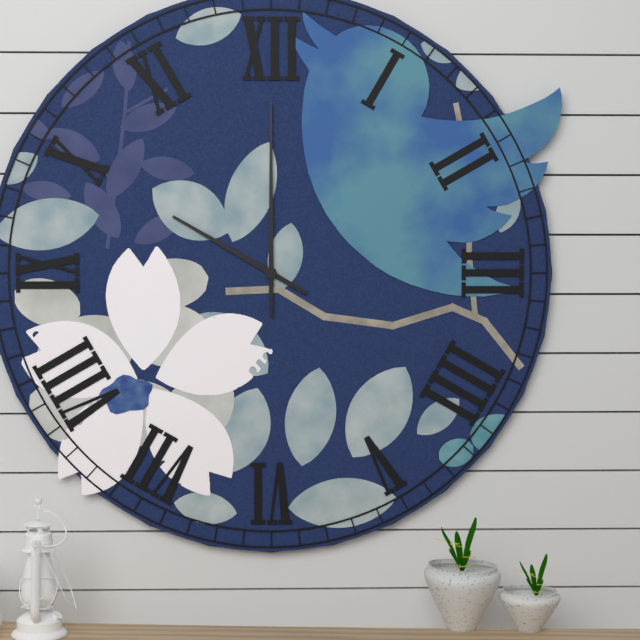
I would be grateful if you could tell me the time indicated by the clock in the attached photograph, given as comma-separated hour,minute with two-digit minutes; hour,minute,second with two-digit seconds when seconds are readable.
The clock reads 10,00
